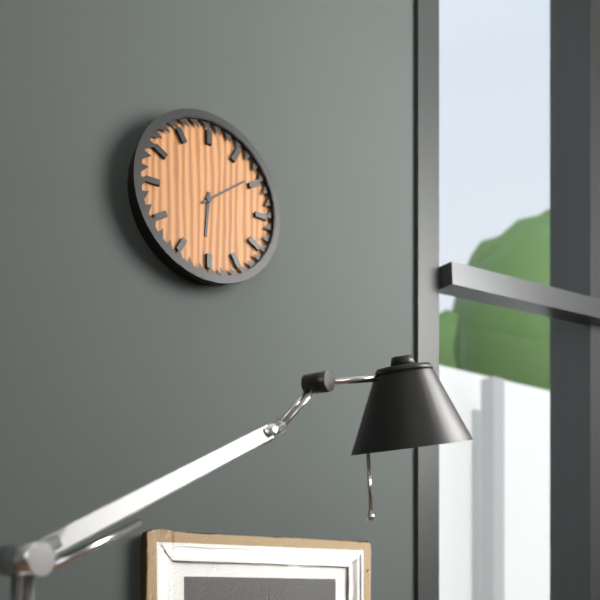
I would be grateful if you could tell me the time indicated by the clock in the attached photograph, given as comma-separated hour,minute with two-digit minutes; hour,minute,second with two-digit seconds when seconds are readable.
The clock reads 6,09
